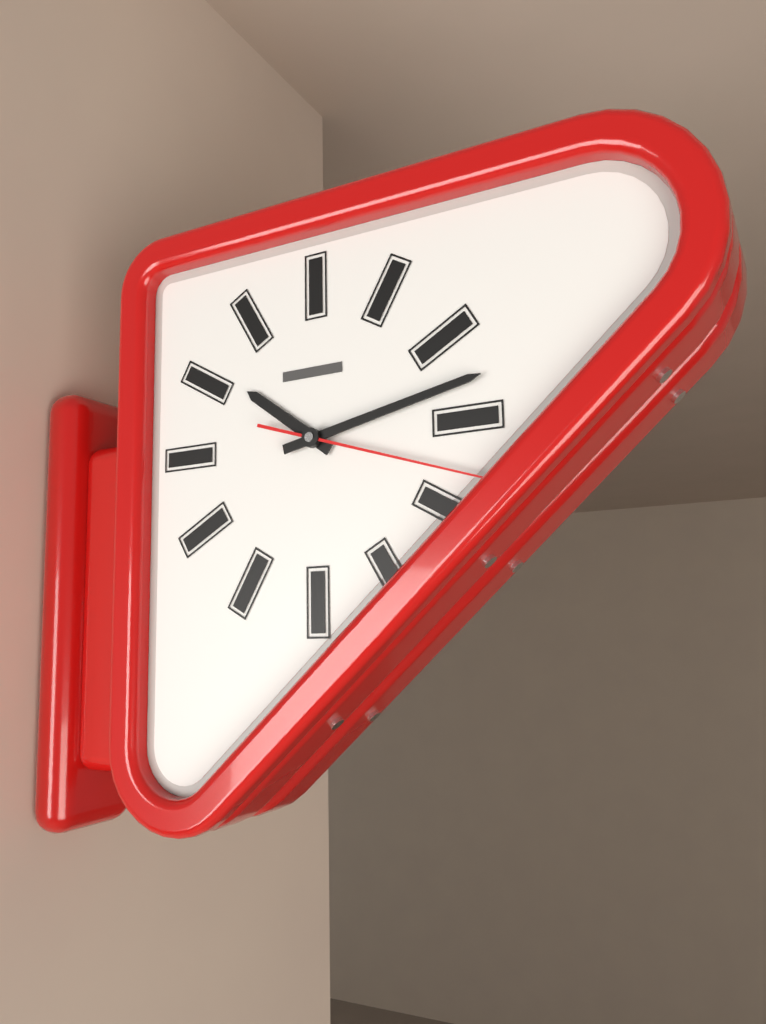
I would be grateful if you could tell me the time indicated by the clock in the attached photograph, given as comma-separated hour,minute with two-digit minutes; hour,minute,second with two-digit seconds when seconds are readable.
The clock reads 10,13,18
